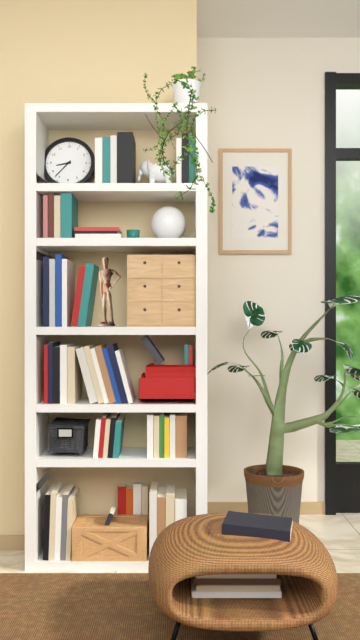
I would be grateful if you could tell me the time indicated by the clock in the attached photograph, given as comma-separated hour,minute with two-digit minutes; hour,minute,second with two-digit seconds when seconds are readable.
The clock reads 8,37
